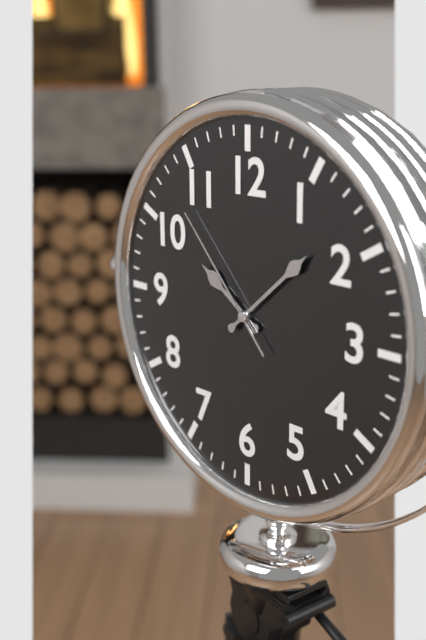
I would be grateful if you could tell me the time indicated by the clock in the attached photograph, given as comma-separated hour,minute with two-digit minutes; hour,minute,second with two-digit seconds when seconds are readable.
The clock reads 10,08,53
